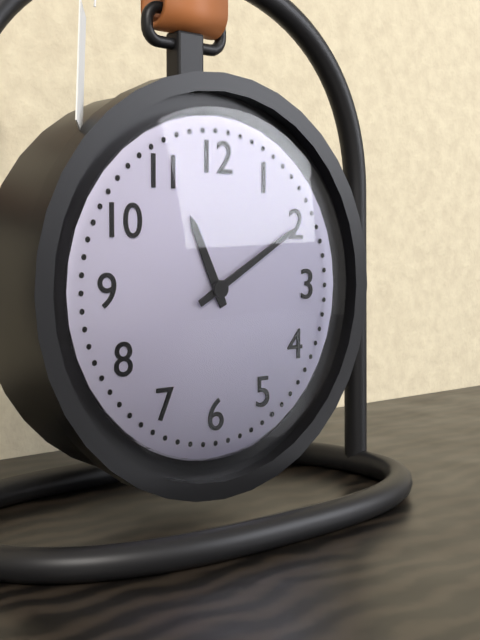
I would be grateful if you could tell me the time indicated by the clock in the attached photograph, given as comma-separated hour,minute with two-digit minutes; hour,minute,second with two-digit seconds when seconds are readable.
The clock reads 11,10
